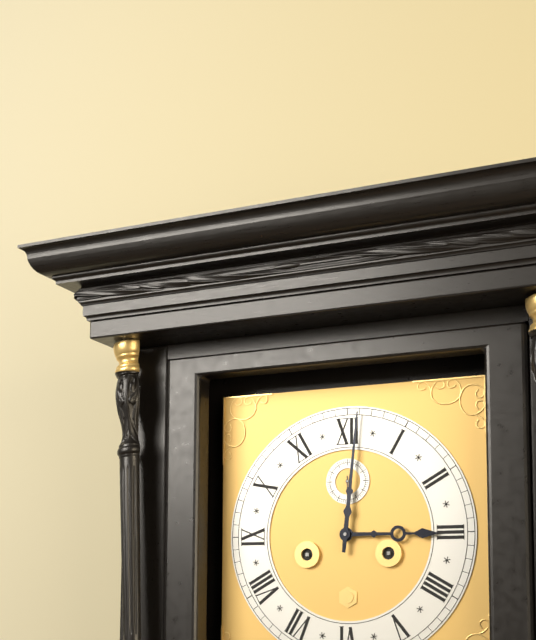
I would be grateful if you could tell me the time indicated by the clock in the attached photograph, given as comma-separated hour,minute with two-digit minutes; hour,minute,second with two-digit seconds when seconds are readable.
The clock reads 3,01
